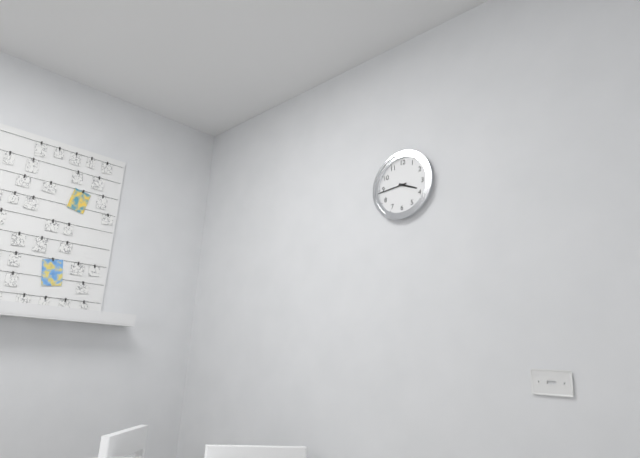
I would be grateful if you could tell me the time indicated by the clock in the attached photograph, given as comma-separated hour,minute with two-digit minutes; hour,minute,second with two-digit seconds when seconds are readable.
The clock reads 3,44
